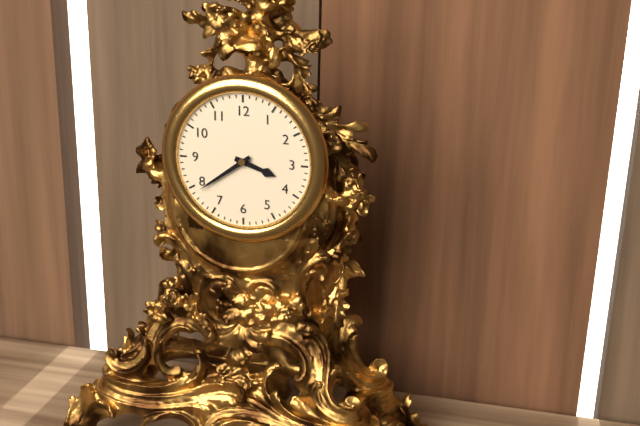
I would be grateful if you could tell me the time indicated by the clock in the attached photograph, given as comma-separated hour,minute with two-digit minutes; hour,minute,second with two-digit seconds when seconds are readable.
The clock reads 3,39
